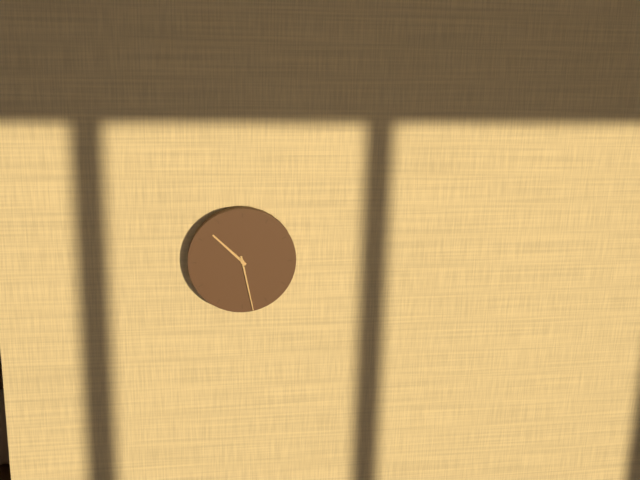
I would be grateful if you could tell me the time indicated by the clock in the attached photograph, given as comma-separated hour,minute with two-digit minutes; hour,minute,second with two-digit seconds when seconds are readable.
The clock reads 10,28
